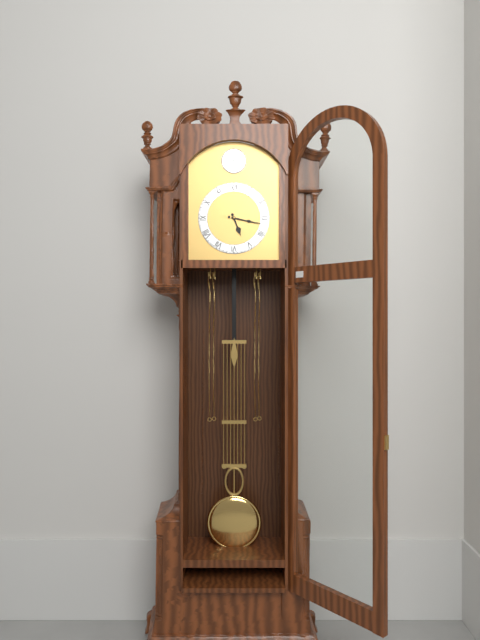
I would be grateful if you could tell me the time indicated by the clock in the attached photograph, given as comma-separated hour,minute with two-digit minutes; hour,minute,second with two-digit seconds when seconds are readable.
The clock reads 5,17
